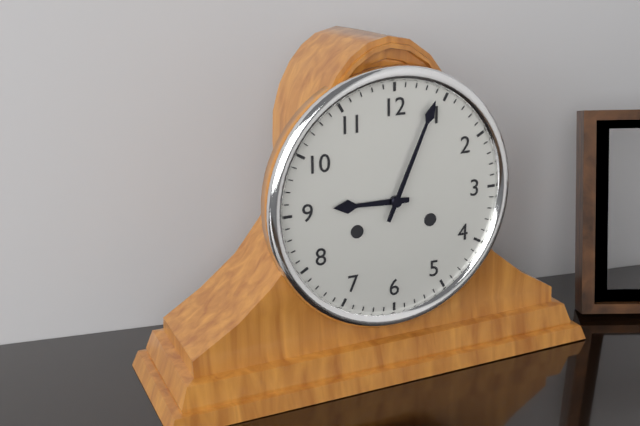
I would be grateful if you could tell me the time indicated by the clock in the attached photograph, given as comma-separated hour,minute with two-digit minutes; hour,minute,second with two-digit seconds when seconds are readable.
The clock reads 9,04
